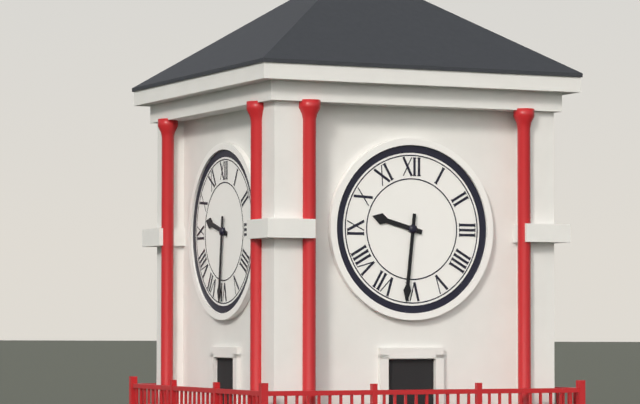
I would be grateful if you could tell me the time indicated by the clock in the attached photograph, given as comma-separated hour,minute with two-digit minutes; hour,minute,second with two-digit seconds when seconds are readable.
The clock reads 9,31
